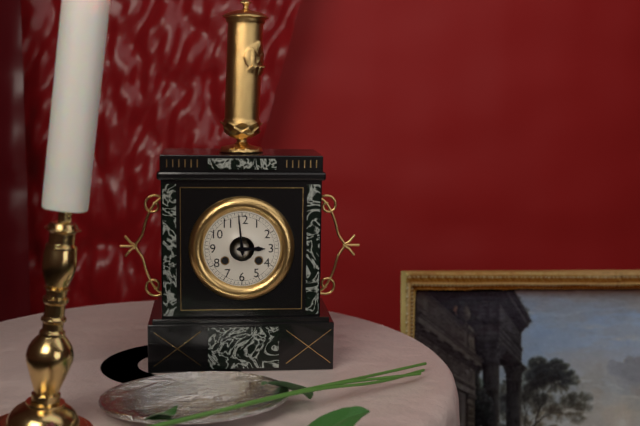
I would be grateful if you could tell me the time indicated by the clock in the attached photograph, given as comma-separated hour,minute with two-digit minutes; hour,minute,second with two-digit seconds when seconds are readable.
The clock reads 2,59
